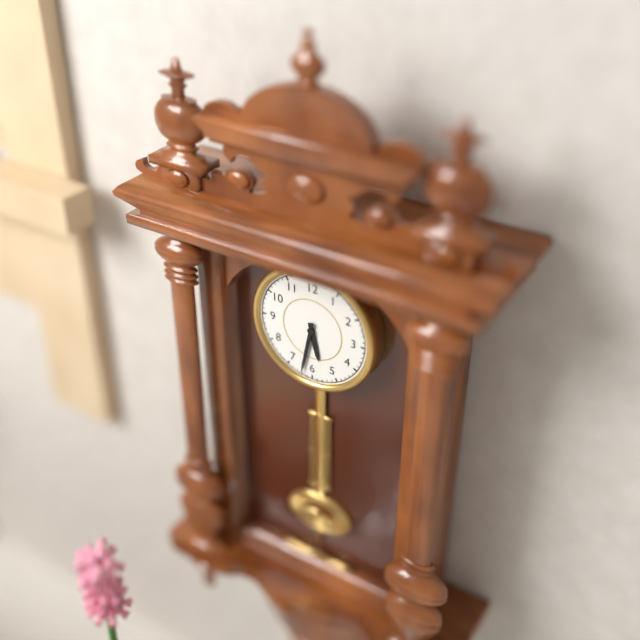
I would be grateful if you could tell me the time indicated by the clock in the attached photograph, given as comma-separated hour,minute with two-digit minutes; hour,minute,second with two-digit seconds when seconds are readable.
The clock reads 5,32
